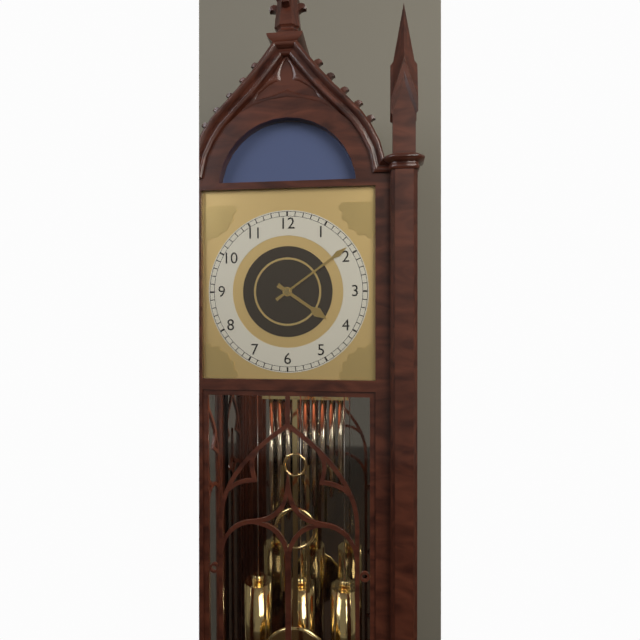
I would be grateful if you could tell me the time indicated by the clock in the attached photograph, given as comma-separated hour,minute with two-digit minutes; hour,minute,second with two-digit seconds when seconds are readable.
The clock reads 4,09
